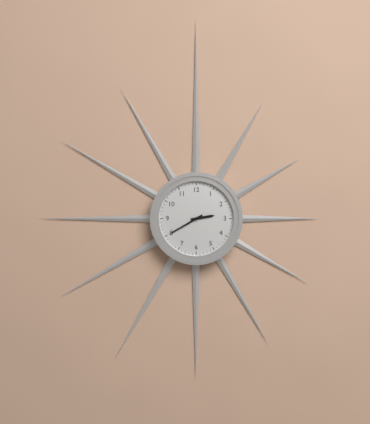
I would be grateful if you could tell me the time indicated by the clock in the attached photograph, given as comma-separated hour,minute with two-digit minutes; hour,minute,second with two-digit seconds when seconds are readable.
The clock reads 2,40
